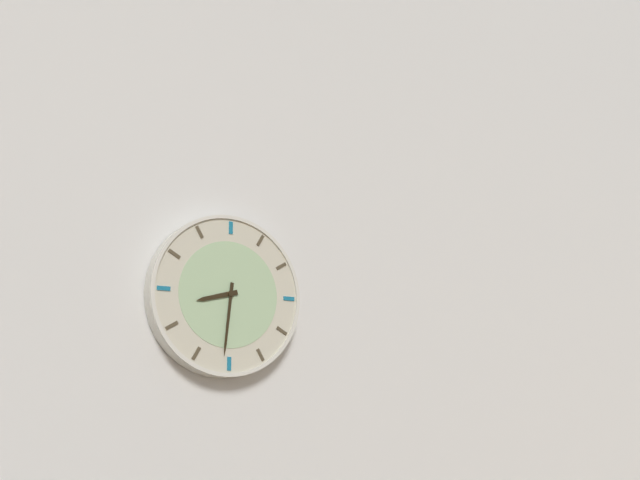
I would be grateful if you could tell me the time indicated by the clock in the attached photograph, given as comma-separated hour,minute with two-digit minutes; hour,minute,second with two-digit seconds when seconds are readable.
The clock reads 8,31
